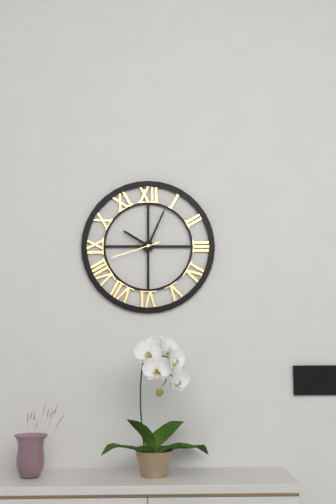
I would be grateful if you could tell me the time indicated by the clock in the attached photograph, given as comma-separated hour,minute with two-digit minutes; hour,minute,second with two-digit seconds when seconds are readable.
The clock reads 10,04,42
